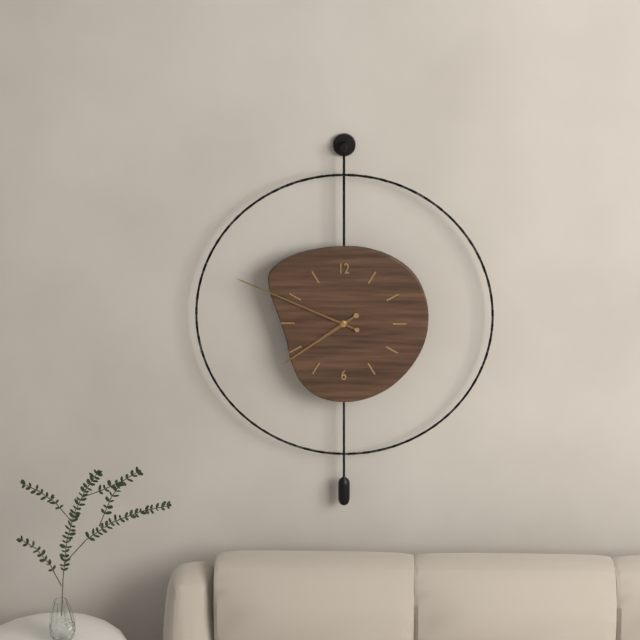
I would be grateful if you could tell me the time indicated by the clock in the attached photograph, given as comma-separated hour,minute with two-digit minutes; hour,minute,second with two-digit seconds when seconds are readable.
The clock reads 7,49
